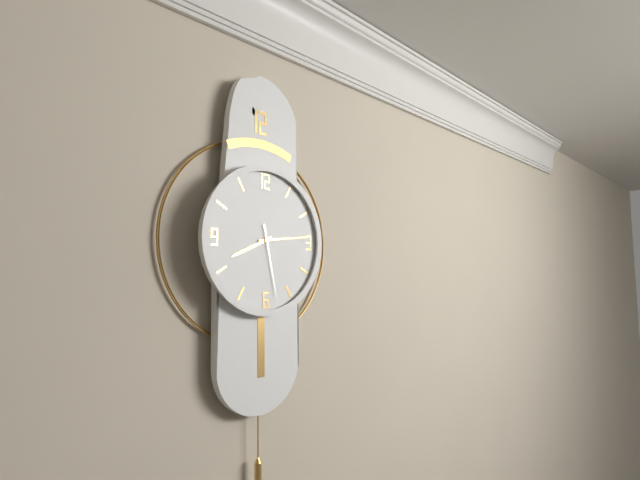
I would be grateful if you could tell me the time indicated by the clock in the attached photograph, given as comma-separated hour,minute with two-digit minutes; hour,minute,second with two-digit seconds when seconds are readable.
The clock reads 8,14,28
